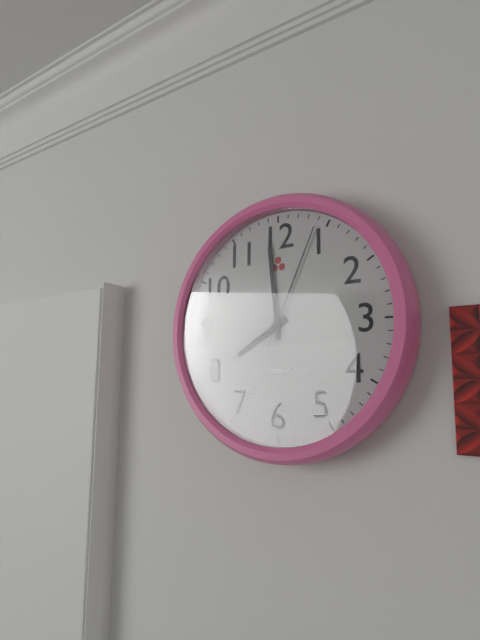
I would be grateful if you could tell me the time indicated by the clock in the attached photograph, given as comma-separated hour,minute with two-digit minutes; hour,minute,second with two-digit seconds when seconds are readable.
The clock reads 7,59,04
